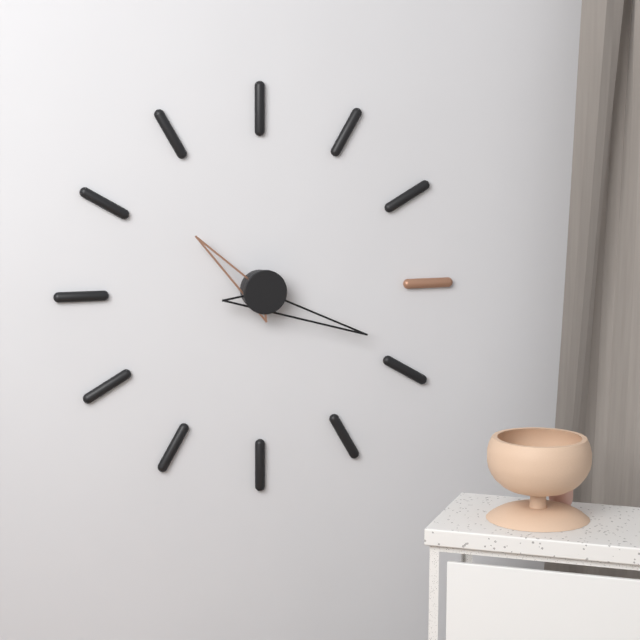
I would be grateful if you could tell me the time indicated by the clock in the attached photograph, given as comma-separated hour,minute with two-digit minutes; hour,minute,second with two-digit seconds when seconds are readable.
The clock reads 10,19
